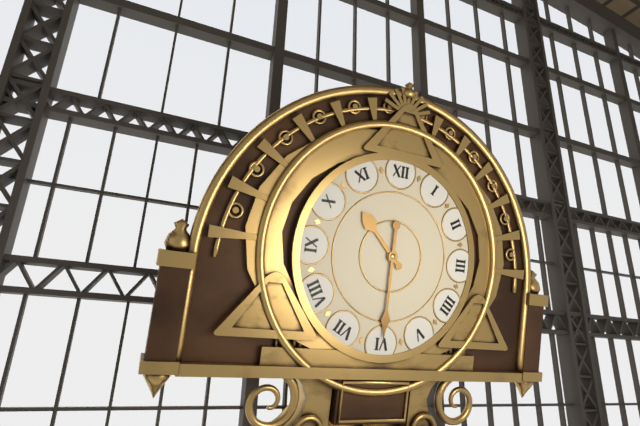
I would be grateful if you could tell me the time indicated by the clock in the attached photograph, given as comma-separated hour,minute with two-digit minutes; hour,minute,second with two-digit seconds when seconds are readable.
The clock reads 10,30
